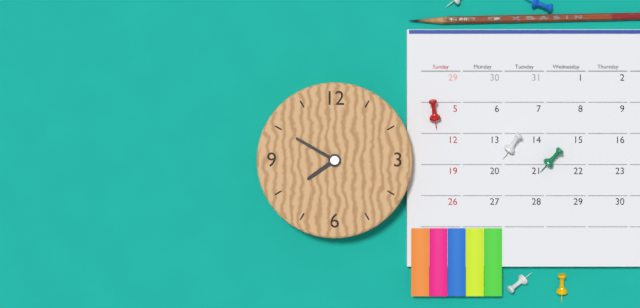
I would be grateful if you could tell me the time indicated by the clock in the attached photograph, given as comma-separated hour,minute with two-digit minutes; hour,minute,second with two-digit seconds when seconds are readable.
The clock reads 7,50
